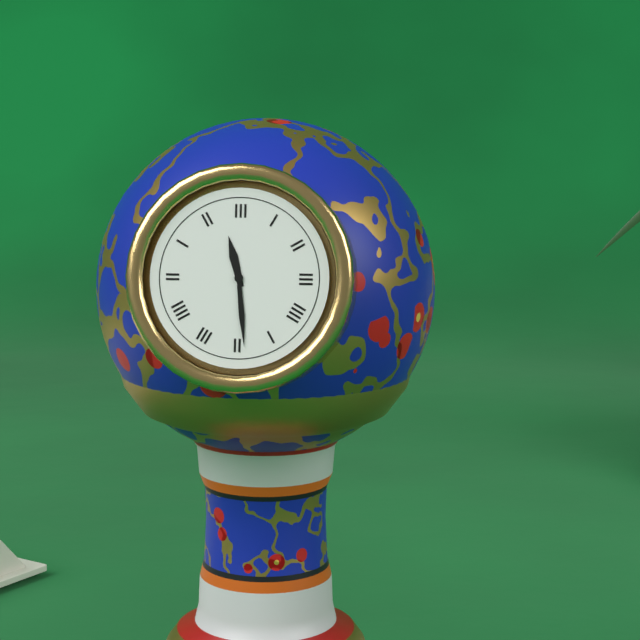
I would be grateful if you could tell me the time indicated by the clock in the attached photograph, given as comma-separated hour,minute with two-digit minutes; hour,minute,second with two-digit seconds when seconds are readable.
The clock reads 11,29
